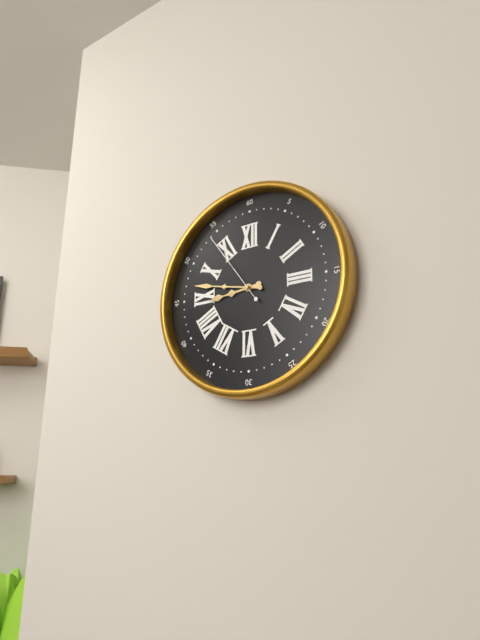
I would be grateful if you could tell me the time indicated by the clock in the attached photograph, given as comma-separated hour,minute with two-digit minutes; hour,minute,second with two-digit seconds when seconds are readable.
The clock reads 8,47,54
